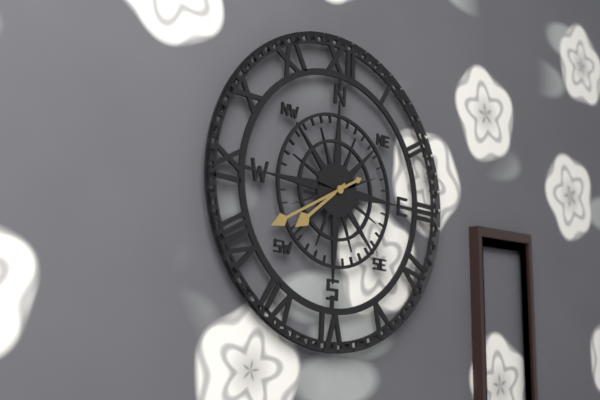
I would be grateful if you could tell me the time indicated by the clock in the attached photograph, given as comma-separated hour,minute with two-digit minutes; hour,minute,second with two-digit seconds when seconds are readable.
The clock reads 7,40
